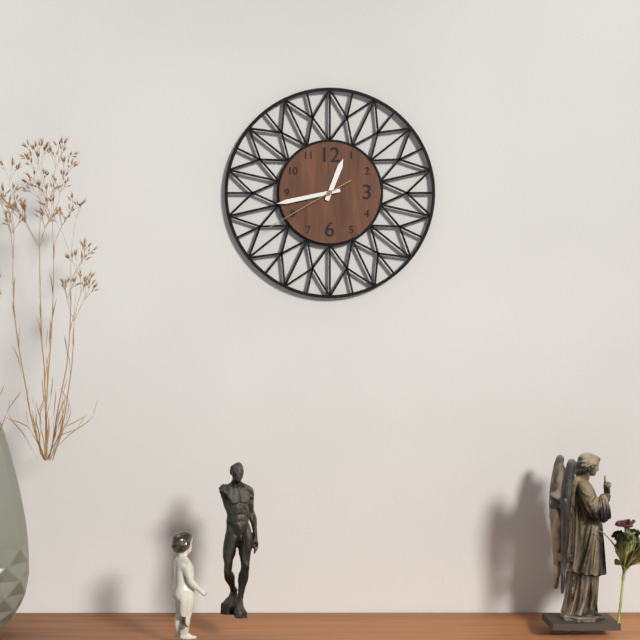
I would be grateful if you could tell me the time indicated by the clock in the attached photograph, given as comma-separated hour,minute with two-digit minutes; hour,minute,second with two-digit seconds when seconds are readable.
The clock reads 12,43,40
